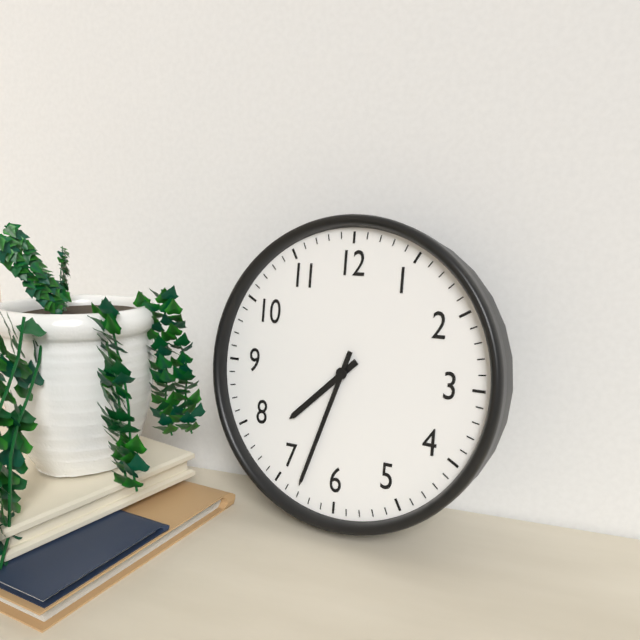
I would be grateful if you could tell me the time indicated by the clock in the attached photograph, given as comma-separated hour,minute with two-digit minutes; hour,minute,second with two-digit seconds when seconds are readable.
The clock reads 7,33
